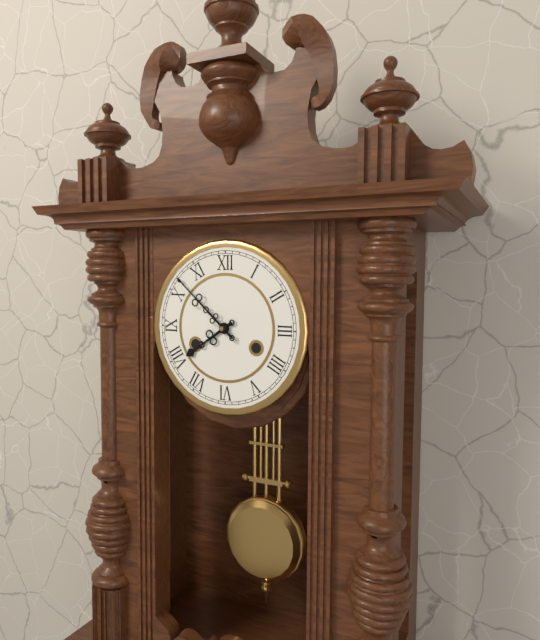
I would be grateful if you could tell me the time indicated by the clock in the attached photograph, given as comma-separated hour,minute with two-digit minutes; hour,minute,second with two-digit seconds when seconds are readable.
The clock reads 7,52
